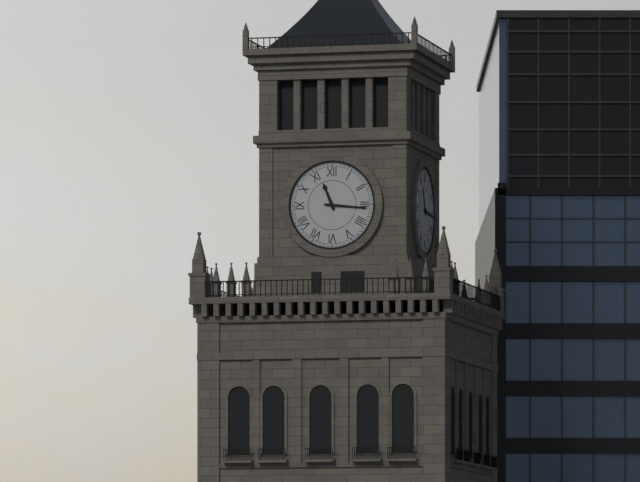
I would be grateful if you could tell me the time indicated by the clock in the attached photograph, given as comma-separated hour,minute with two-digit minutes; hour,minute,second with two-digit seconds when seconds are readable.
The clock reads 11,16
